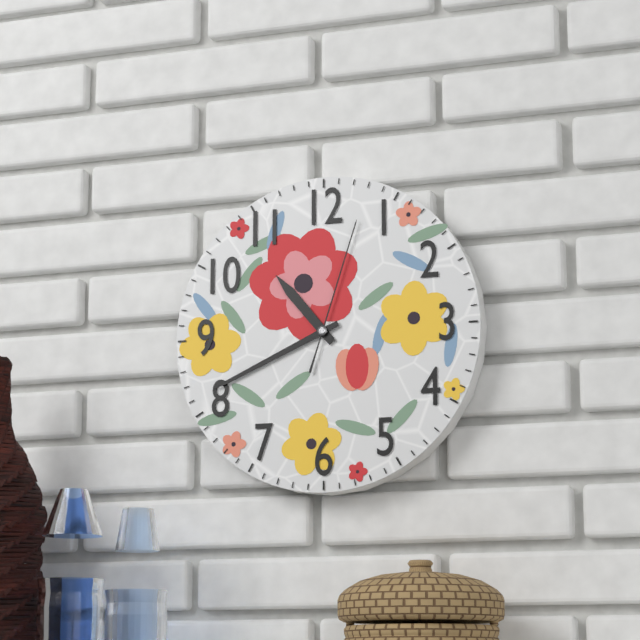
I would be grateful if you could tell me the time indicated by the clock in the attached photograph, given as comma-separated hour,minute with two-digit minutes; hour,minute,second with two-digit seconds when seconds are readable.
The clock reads 10,41,03
